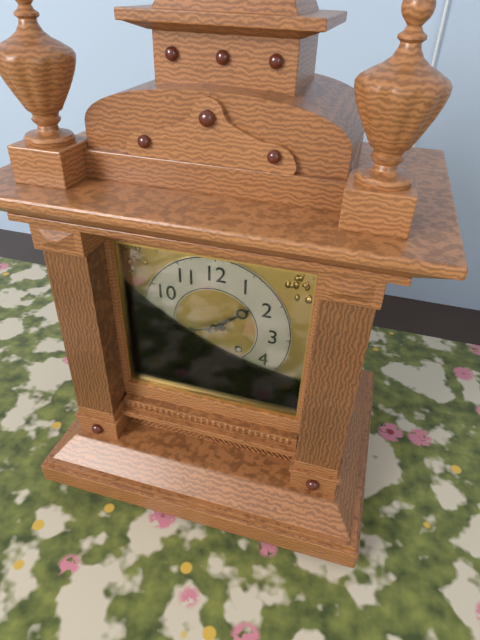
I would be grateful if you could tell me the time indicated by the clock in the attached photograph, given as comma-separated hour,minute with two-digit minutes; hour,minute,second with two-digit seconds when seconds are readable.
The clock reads 1,42
